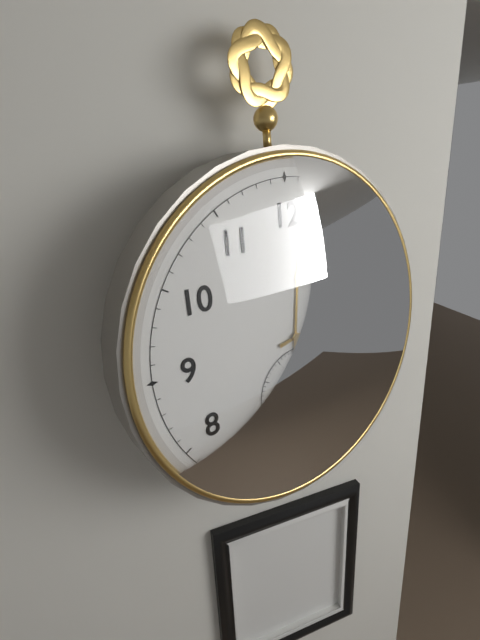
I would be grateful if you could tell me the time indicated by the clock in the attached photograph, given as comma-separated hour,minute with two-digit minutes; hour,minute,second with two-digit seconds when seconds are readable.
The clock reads 12,13
